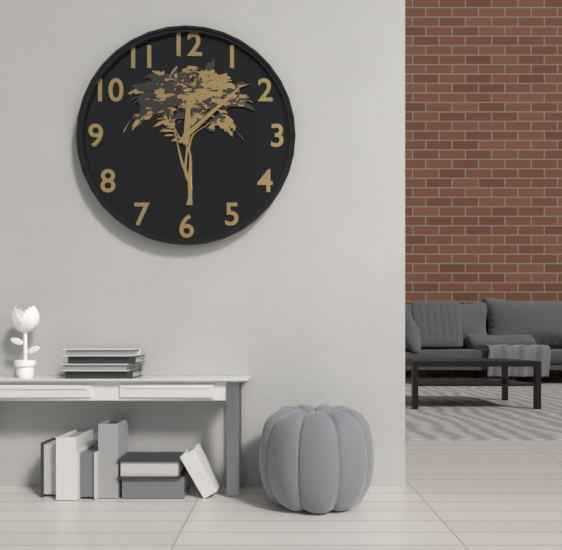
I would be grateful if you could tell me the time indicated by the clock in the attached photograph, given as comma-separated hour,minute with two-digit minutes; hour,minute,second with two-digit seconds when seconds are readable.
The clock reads 12,08
